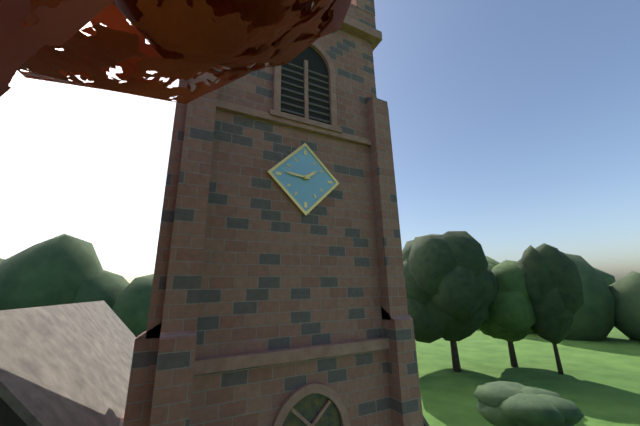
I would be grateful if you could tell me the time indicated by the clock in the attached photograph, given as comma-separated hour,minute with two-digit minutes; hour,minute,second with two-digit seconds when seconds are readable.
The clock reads 1,46
